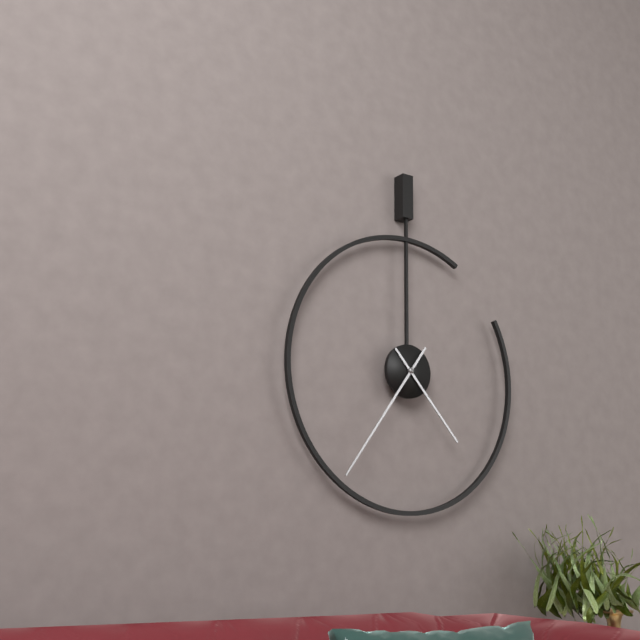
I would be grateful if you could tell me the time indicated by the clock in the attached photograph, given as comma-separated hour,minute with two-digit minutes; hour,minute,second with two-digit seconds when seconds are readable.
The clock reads 4,36
